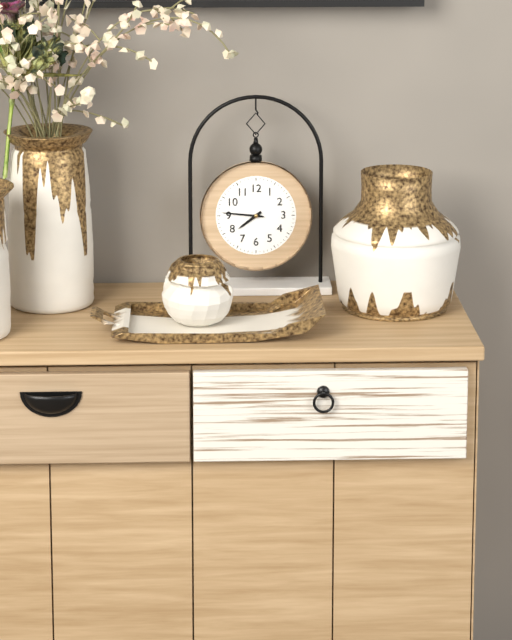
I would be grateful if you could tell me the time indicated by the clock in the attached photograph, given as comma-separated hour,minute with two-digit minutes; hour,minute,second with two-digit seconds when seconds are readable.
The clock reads 7,46
